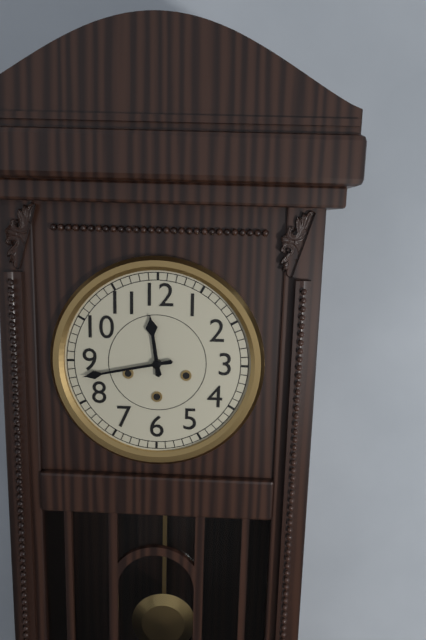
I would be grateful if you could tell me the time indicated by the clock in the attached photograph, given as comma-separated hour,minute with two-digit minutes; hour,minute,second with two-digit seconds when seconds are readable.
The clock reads 11,43
